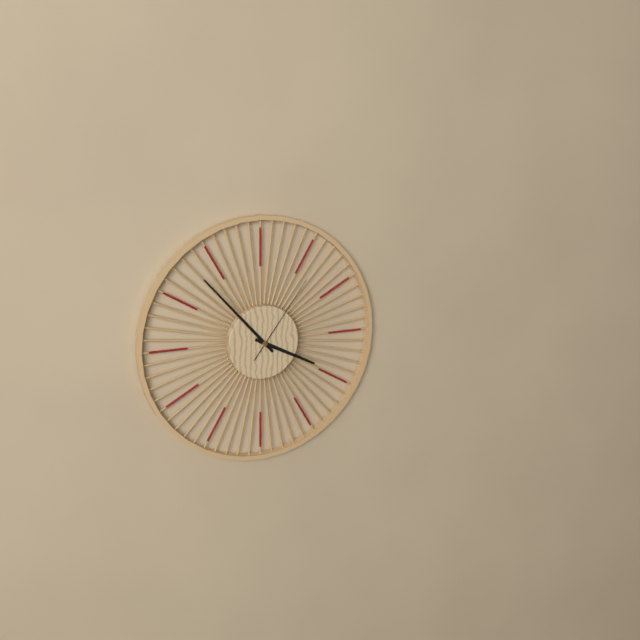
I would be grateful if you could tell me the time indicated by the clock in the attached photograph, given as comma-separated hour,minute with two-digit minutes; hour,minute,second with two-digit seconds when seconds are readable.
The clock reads 3,53,06
